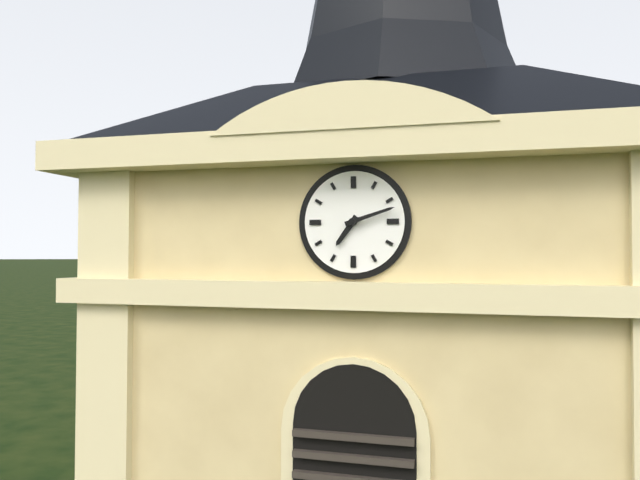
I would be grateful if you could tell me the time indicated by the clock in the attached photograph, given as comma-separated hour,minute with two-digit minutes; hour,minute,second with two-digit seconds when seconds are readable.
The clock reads 7,12
